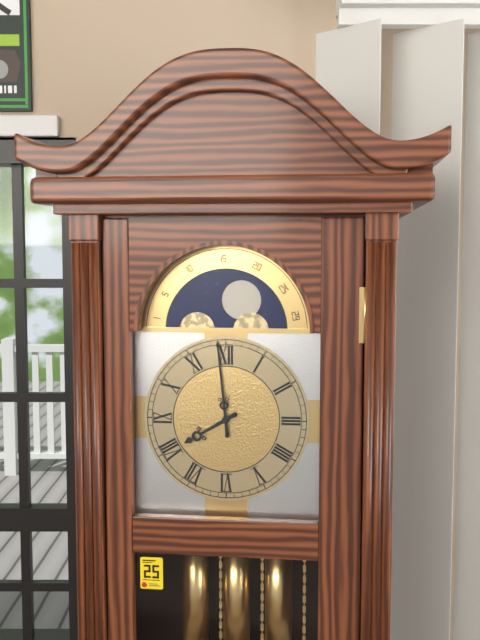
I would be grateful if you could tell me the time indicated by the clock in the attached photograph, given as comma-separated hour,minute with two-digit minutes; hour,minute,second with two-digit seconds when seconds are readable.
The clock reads 7,59
